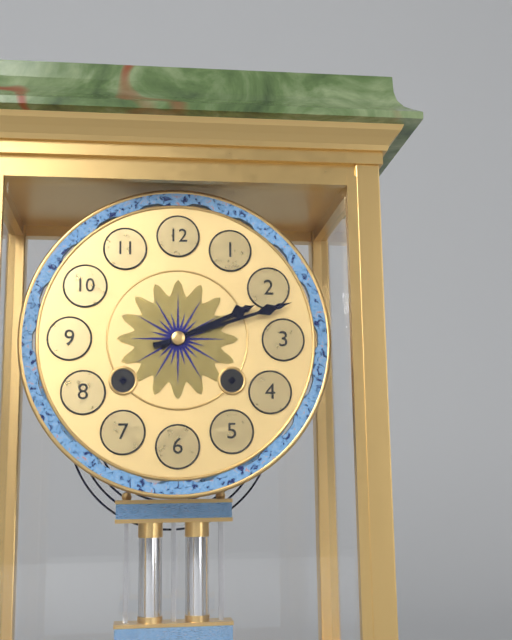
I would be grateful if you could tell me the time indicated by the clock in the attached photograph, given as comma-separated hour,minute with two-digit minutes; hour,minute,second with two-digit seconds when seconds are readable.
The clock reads 2,12
